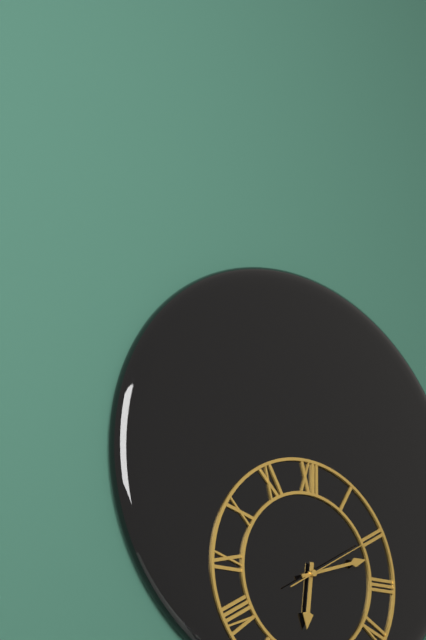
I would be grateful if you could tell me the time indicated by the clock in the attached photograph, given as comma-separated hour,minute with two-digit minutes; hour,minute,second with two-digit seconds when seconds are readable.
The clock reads 6,12,10
